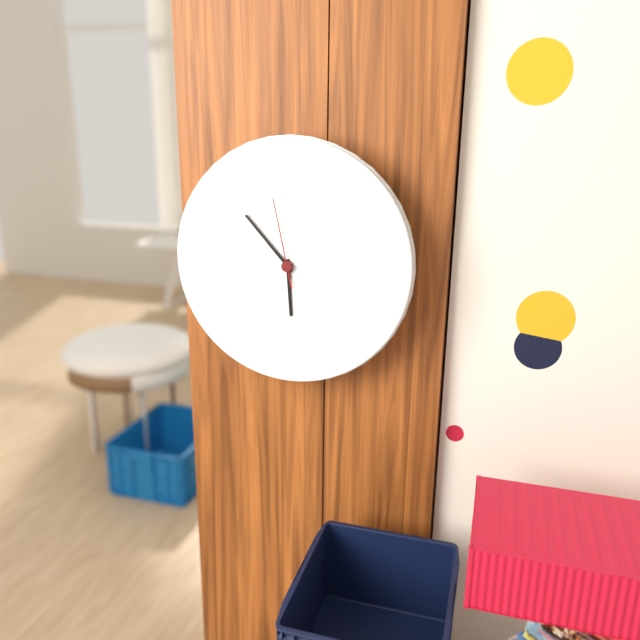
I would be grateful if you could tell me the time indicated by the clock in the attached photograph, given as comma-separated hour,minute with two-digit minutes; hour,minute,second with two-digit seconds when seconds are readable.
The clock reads 5,53,58
